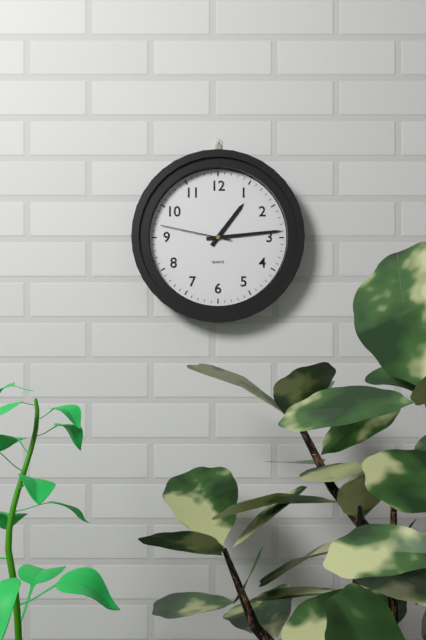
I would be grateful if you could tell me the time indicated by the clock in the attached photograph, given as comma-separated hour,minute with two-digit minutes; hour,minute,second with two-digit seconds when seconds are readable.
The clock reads 1,14,47
